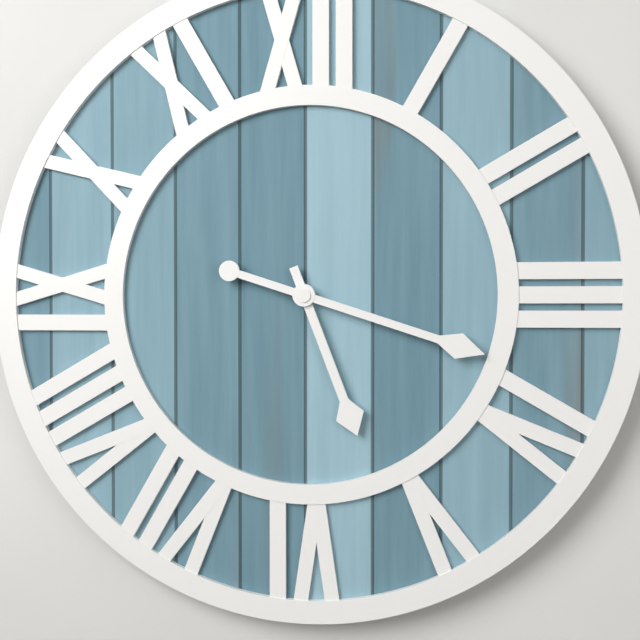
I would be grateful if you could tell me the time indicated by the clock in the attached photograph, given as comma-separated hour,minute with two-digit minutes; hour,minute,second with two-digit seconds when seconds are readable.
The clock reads 5,18
